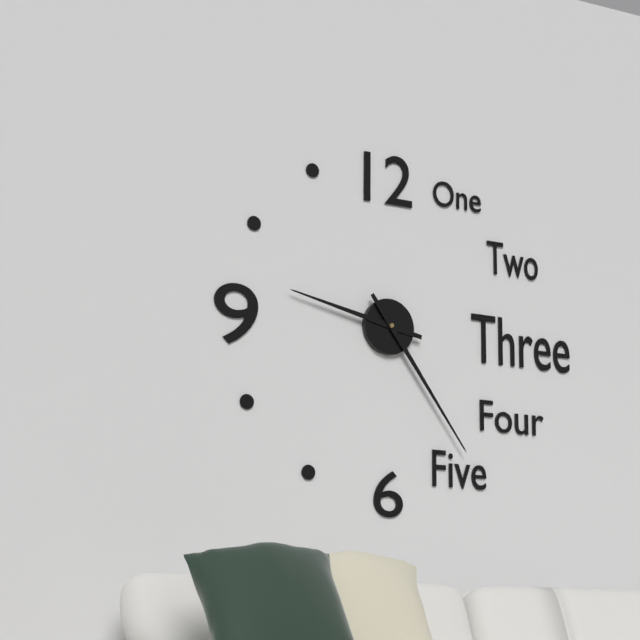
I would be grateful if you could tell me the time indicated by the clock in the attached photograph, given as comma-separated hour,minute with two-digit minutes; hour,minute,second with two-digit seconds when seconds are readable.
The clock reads 9,24
